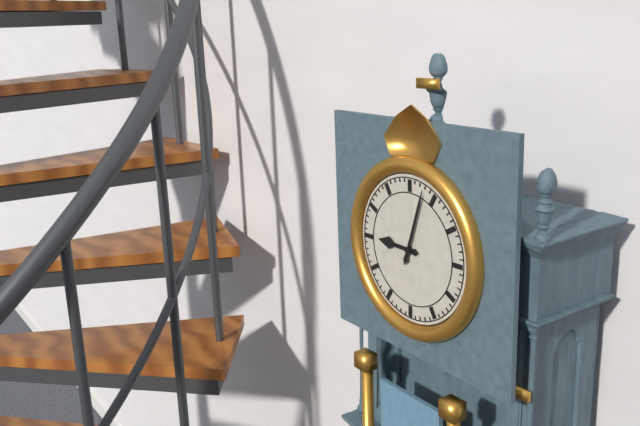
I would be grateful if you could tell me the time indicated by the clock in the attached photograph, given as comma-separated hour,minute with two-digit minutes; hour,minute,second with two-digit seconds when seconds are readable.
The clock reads 9,03
